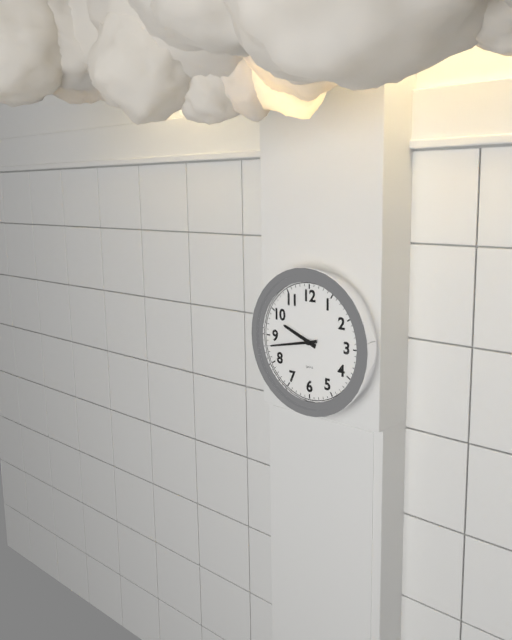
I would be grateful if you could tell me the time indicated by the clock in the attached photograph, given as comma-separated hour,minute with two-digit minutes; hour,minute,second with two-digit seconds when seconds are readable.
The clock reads 9,43
